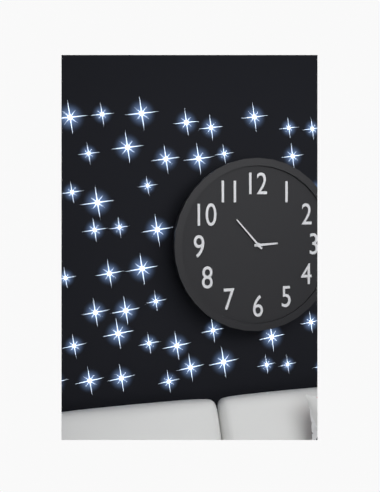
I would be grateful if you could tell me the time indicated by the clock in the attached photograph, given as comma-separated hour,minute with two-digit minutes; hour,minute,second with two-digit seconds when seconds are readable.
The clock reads 2,53
